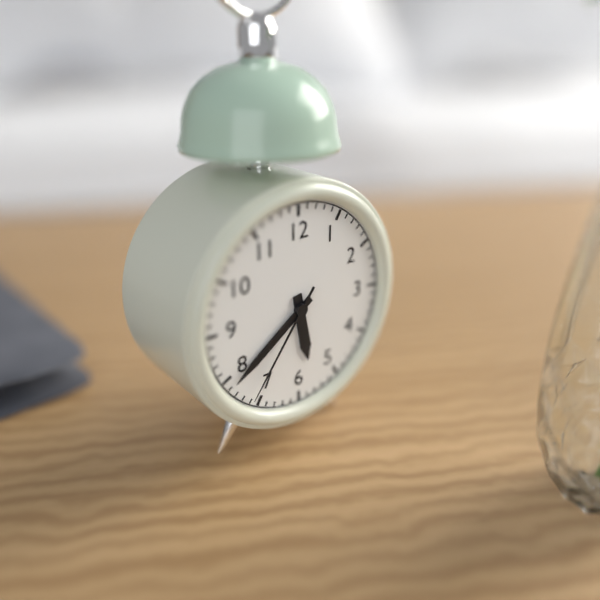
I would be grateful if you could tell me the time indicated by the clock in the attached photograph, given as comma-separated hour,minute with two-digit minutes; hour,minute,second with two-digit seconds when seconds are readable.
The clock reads 5,39,36
